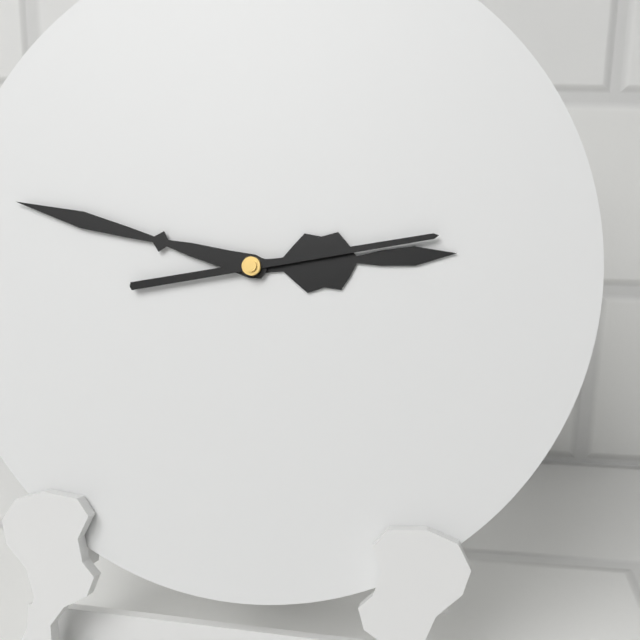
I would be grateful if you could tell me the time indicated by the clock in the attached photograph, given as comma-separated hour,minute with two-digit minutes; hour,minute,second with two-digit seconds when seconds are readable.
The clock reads 2,47,13
